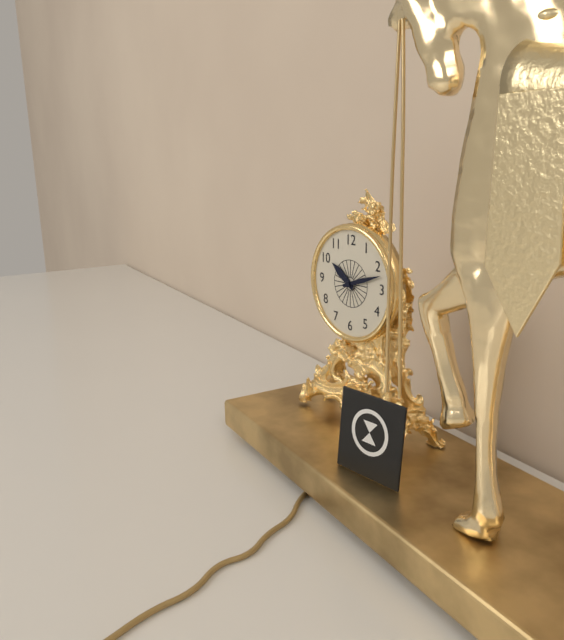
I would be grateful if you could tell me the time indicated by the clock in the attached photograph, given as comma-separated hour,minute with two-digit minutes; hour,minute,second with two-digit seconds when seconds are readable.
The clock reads 10,12
